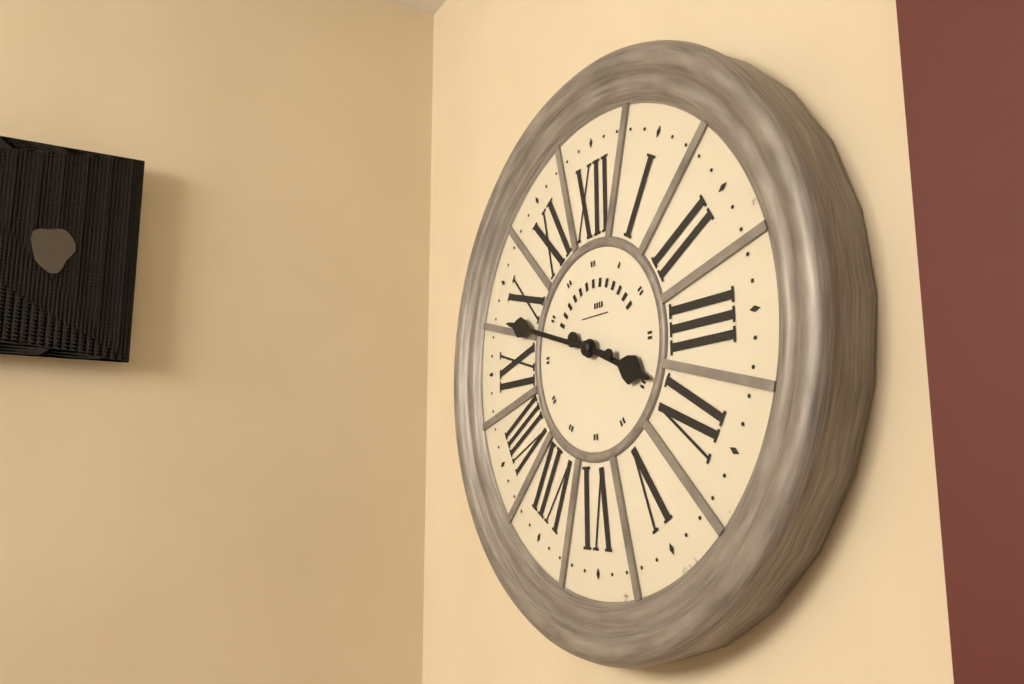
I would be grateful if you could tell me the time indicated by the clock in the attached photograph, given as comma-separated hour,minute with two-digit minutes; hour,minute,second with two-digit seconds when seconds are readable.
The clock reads 3,48
